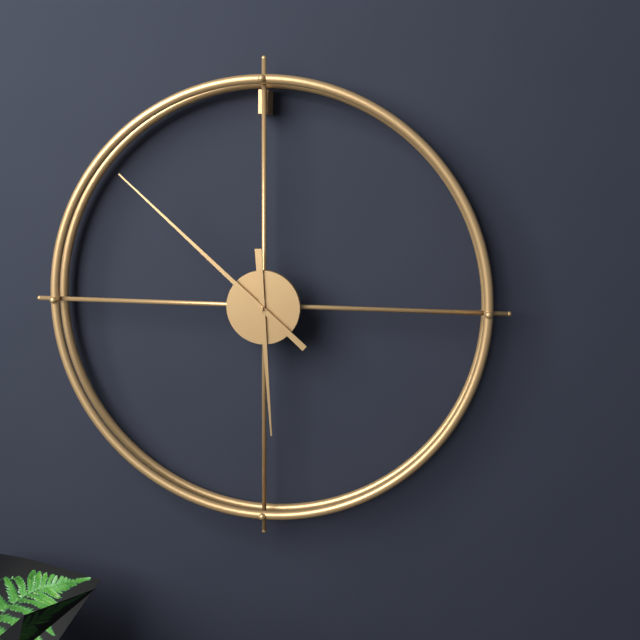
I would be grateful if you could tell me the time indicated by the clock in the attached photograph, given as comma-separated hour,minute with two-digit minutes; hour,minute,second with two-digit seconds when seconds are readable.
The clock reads 5,52
